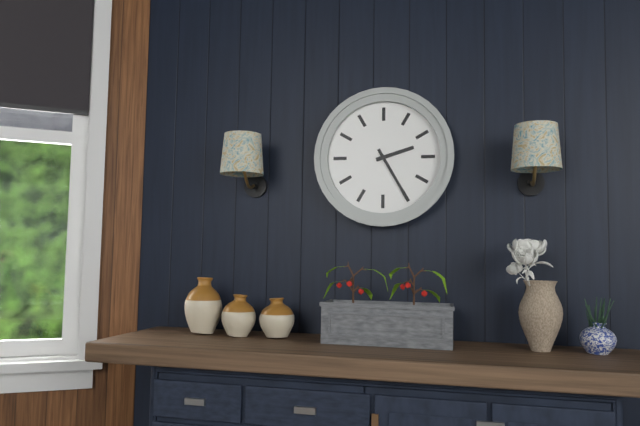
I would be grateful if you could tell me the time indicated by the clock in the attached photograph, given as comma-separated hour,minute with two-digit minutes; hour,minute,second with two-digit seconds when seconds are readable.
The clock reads 2,25
